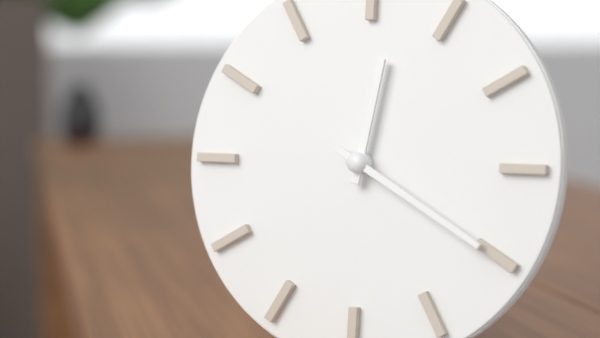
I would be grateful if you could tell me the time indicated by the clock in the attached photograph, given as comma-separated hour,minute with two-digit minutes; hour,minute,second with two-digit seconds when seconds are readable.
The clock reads 12,20
